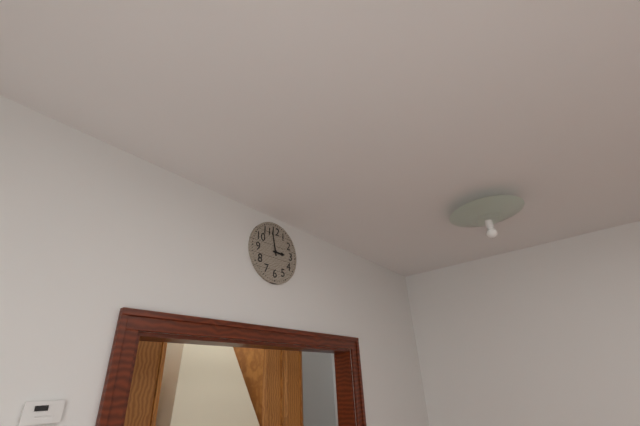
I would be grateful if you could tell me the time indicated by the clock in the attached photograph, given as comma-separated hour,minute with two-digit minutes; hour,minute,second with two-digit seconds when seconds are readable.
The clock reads 2,58
